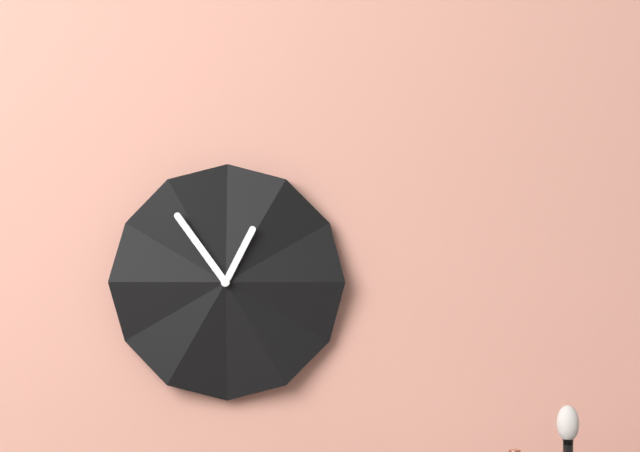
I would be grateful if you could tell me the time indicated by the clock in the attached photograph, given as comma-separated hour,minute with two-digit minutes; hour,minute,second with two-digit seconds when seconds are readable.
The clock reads 12,54
